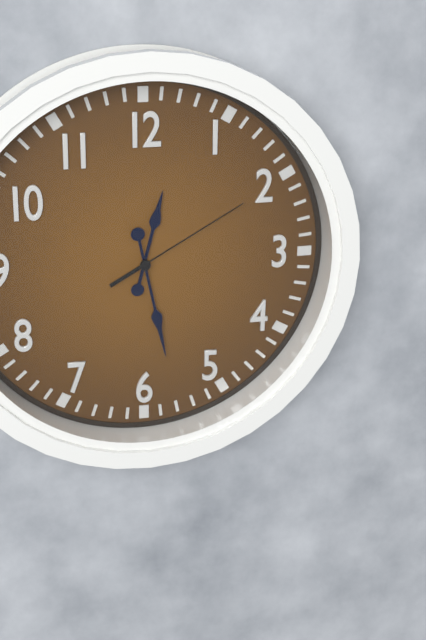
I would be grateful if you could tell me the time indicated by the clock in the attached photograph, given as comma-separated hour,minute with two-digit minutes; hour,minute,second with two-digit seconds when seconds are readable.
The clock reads 12,28,10
